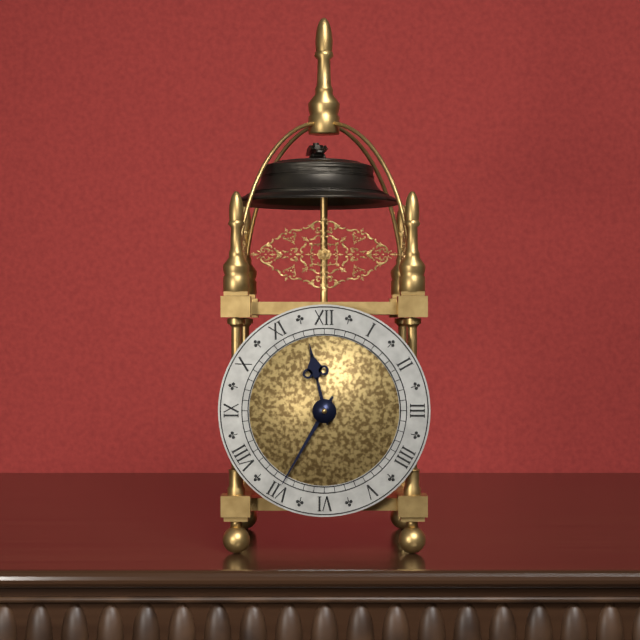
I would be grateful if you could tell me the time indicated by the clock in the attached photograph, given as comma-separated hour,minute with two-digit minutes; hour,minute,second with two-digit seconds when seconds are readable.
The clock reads 11,35
